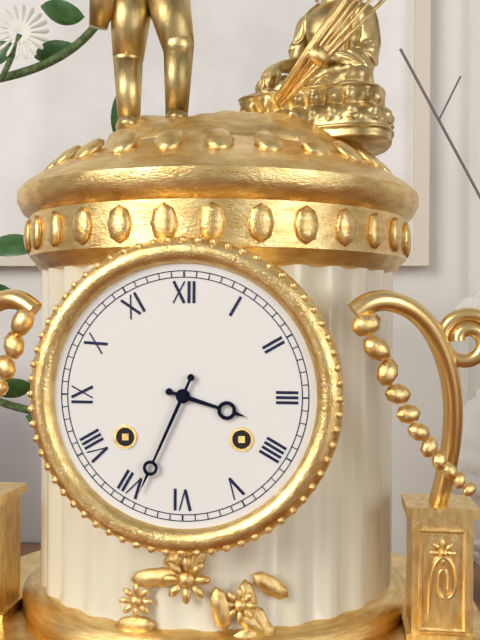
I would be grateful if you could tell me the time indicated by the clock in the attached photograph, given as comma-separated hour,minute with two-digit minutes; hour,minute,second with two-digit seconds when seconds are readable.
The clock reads 3,34
